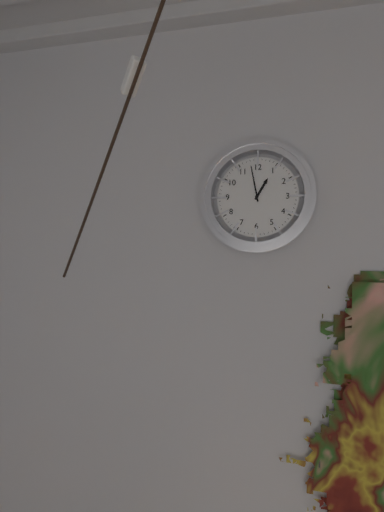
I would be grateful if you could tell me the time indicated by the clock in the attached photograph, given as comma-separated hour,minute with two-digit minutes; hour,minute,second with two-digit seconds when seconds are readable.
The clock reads 12,58
